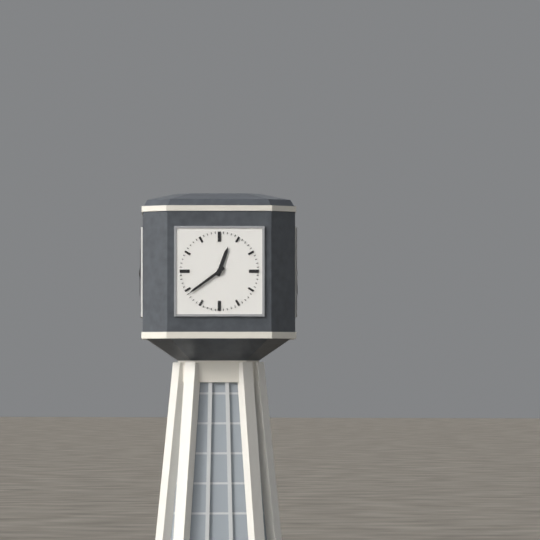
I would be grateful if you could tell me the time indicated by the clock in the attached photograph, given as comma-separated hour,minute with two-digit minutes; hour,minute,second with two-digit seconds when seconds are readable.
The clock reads 12,39
